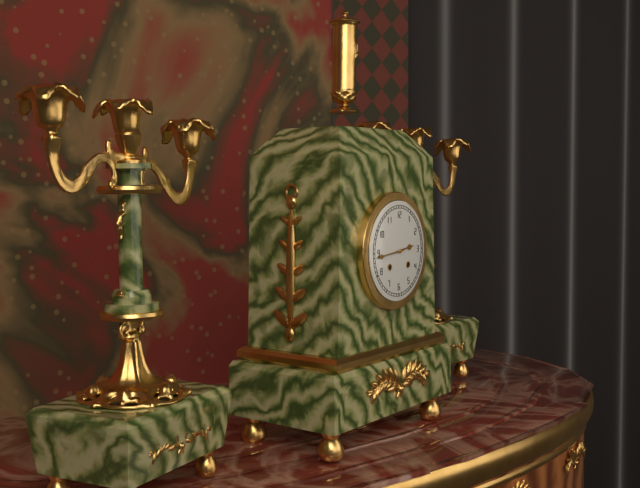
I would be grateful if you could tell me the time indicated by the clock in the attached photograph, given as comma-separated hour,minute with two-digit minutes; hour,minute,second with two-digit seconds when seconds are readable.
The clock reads 2,44
